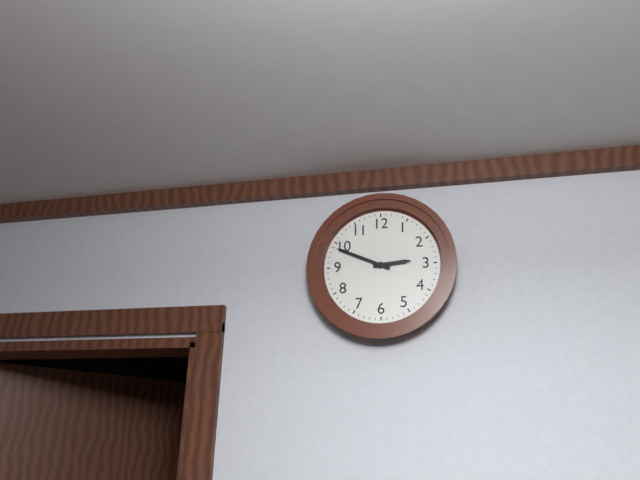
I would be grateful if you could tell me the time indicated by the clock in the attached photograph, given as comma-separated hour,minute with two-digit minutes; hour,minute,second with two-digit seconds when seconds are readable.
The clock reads 2,49
